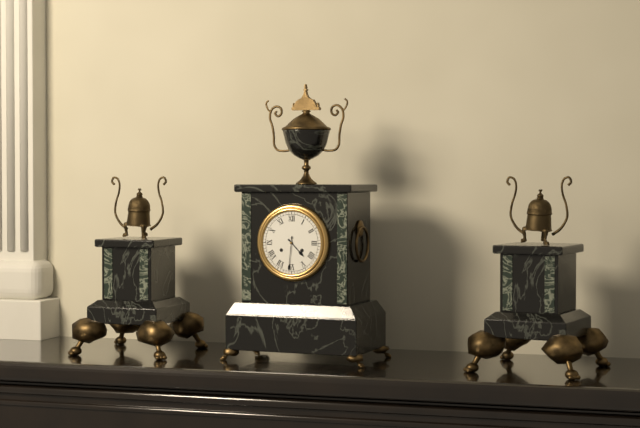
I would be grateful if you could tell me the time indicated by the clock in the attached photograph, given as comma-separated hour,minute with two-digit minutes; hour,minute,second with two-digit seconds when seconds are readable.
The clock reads 4,31
